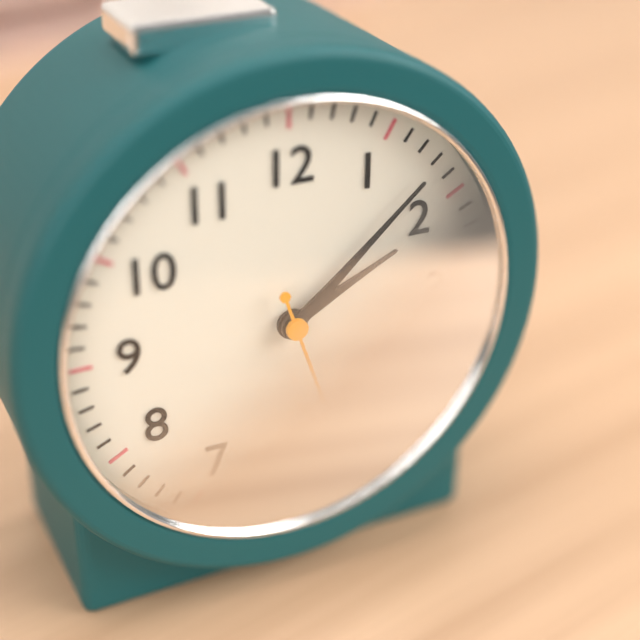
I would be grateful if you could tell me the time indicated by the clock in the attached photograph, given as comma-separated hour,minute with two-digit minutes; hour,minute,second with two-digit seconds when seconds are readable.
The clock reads 2,08,27
